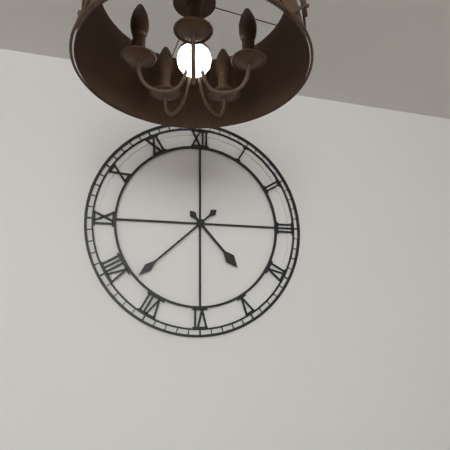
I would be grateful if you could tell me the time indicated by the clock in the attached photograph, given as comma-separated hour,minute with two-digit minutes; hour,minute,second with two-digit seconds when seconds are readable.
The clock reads 4,38
